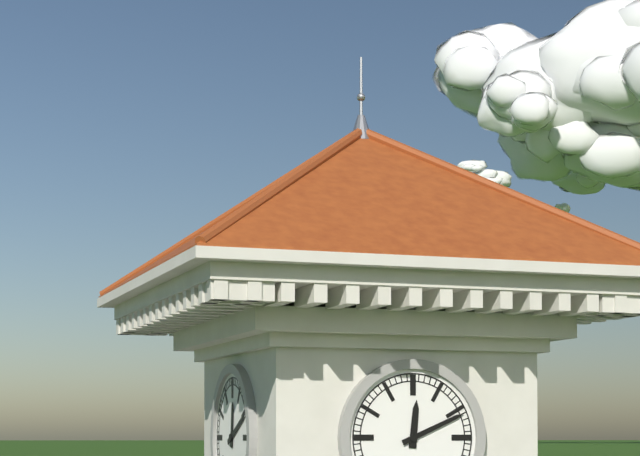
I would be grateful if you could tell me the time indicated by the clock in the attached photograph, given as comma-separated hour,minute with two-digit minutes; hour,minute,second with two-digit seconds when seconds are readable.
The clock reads 12,11
